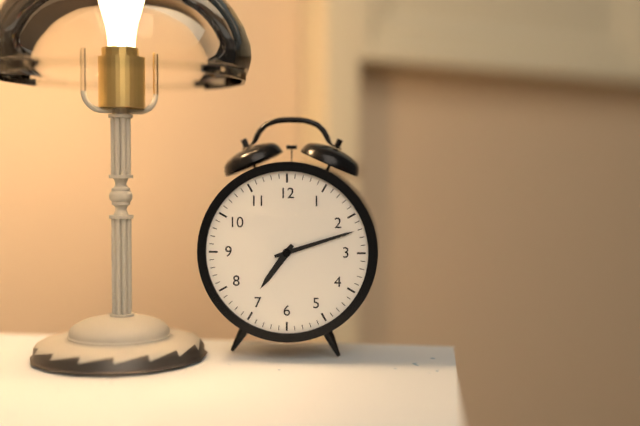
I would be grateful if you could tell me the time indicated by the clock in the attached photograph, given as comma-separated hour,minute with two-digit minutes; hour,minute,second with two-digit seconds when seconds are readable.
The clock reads 7,12
